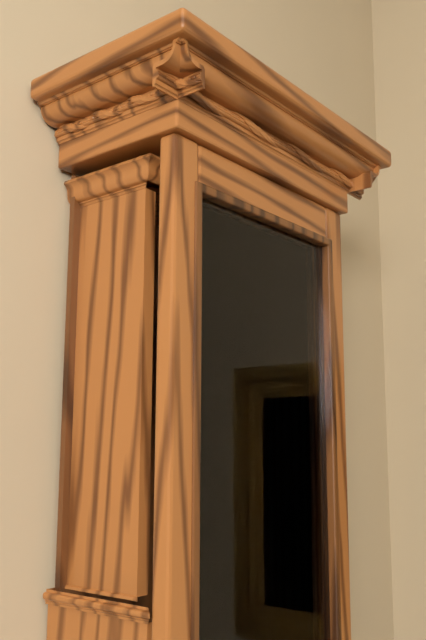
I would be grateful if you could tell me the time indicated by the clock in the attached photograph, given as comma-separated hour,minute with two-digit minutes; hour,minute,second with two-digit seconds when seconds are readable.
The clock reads 7,35
